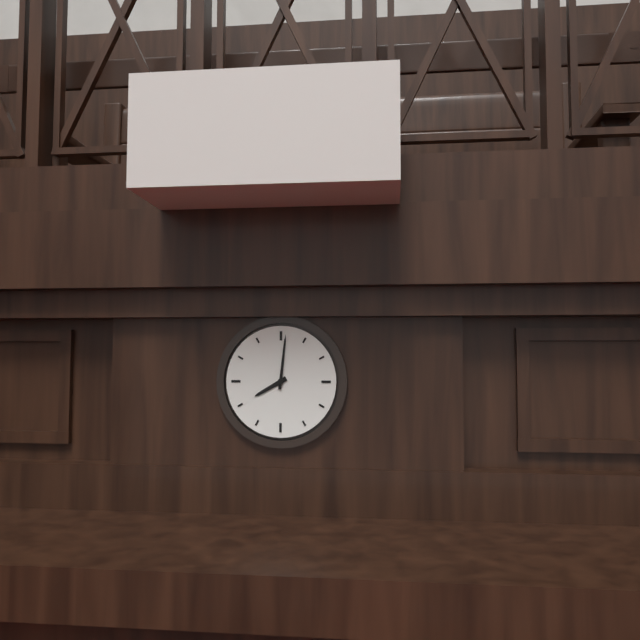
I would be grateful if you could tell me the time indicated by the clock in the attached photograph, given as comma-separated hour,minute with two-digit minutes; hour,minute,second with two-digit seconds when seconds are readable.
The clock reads 8,01
